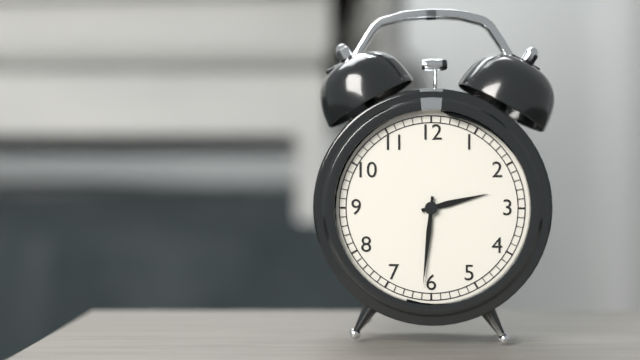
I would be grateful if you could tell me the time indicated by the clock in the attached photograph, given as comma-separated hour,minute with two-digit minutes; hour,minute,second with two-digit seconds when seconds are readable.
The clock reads 2,31
